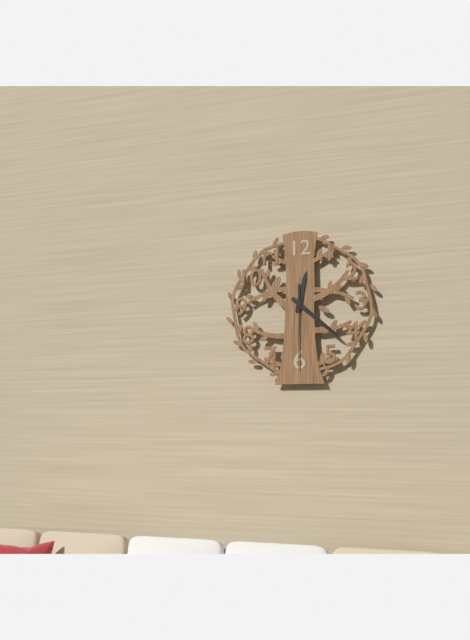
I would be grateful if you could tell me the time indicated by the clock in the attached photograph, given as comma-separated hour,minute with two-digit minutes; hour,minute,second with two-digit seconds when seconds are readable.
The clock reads 12,22,30
